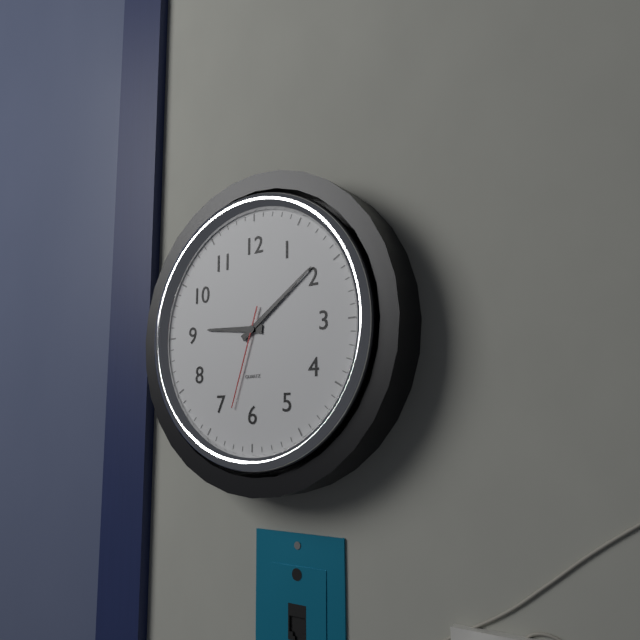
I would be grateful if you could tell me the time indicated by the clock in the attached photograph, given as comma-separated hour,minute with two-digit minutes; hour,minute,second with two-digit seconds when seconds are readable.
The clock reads 9,09,33
